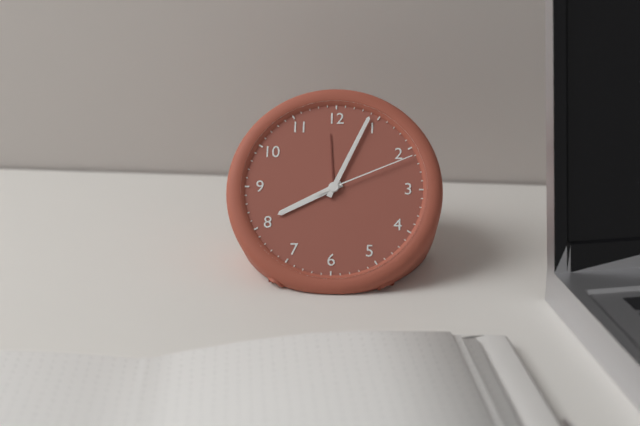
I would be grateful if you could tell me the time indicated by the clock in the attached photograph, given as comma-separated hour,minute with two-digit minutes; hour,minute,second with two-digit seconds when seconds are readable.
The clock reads 8,04,11
